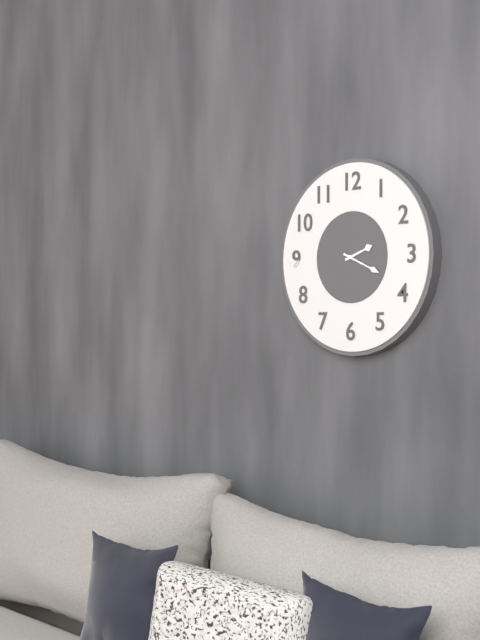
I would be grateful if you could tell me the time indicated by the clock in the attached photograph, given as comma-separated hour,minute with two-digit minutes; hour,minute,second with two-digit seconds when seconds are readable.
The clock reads 2,19
